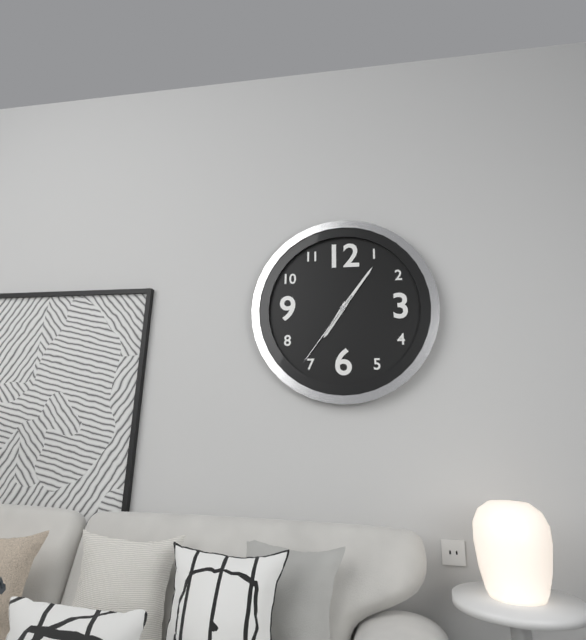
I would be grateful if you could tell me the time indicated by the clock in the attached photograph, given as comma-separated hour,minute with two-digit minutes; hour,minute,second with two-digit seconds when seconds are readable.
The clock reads 7,06,36
